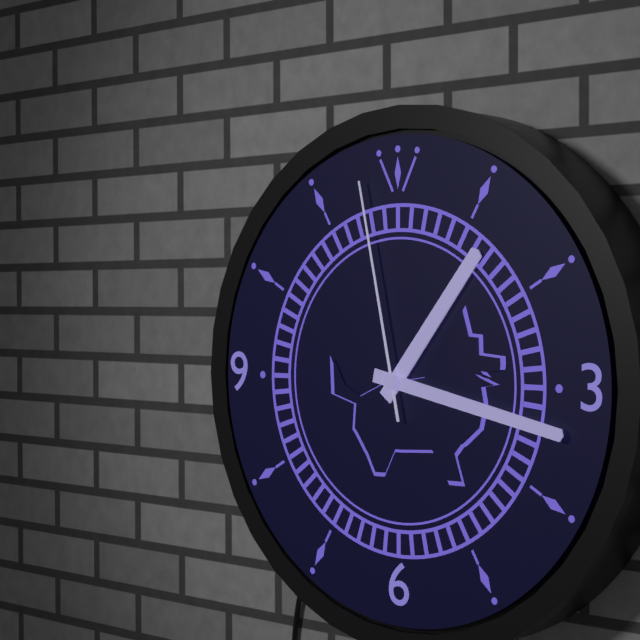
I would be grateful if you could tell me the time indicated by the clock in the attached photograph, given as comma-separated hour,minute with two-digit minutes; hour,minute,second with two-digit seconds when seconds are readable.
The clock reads 1,17,58
